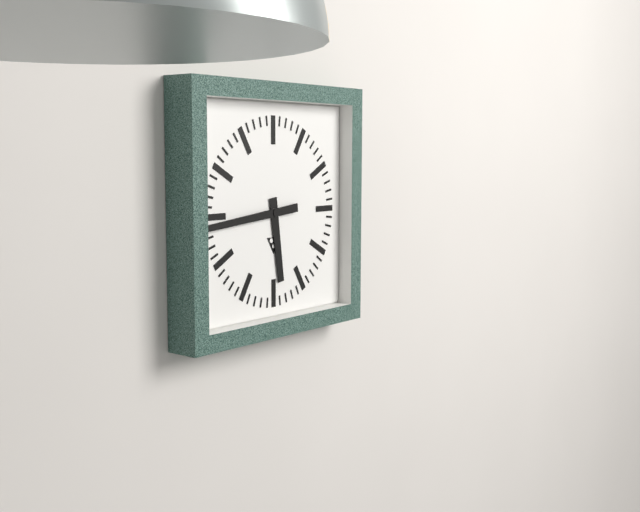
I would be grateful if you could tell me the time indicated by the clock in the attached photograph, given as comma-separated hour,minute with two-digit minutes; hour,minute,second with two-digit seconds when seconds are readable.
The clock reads 5,44
